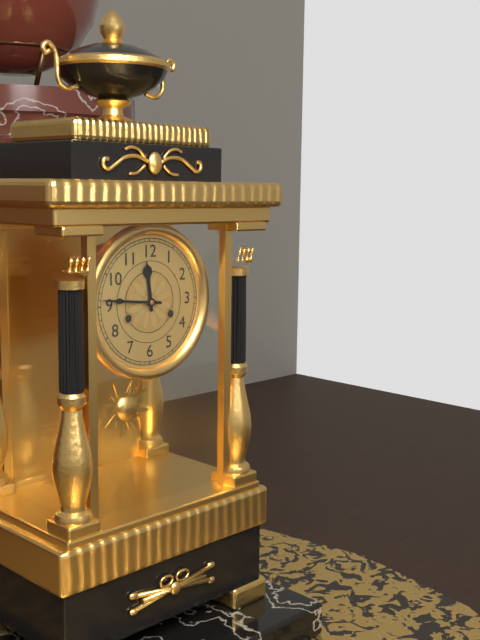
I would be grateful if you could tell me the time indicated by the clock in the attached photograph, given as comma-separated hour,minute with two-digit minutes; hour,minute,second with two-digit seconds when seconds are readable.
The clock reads 11,46
